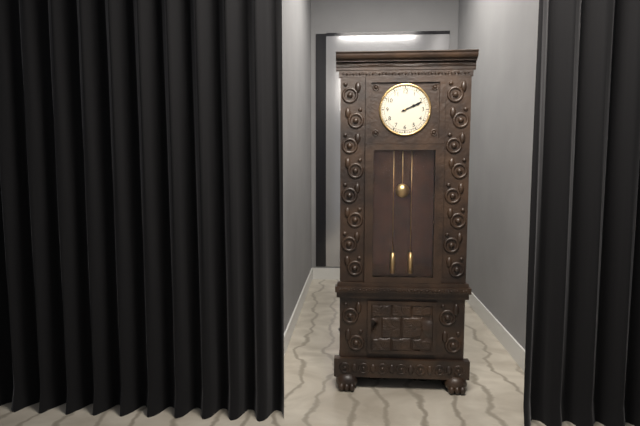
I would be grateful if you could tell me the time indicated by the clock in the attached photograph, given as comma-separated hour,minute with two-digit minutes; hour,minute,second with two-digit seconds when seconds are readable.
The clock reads 2,11
